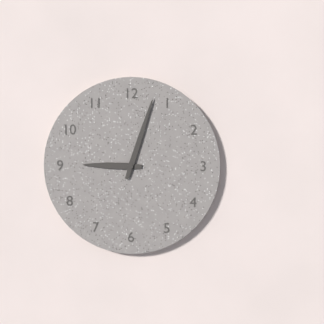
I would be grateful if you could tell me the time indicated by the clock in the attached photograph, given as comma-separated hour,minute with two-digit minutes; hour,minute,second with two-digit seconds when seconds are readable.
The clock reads 9,03
